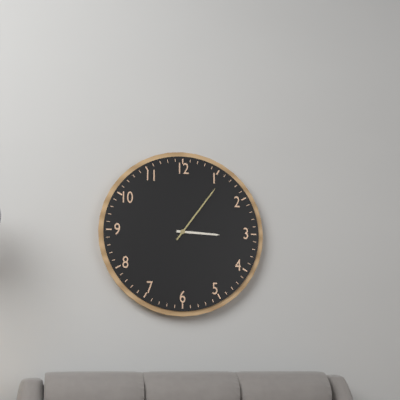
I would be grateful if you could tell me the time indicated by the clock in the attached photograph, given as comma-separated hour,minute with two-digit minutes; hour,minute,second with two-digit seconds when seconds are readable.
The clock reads 3,06
